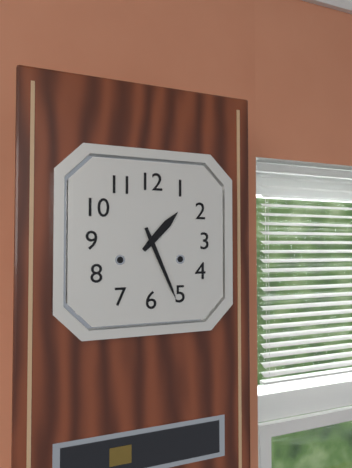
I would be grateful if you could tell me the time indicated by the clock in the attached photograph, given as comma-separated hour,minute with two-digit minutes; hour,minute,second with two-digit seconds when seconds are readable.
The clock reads 1,26
